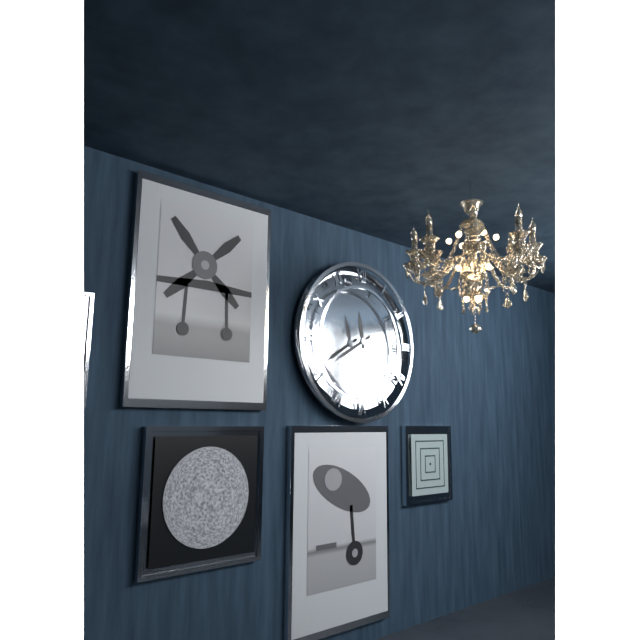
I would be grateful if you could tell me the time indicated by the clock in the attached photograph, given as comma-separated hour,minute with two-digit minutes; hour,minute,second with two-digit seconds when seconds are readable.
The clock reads 11,40
